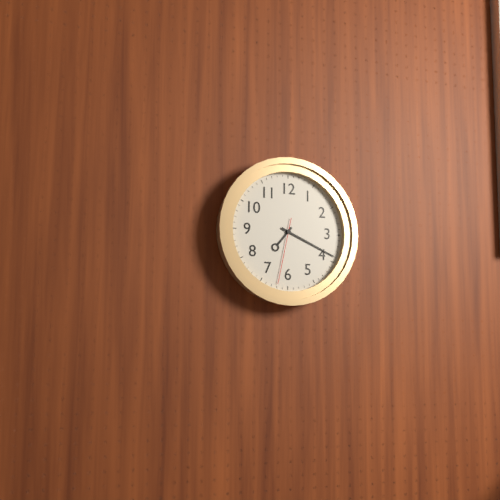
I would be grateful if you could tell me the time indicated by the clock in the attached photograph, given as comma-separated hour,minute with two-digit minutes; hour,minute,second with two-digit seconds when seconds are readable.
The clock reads 7,19,32
